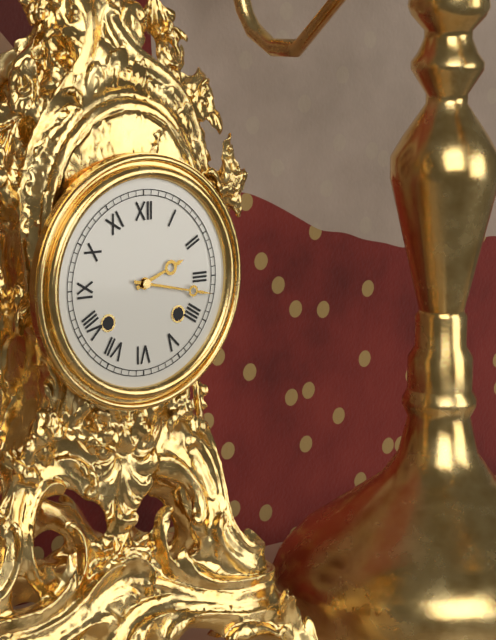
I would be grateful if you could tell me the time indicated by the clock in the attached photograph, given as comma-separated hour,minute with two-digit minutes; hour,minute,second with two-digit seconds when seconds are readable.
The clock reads 2,17
